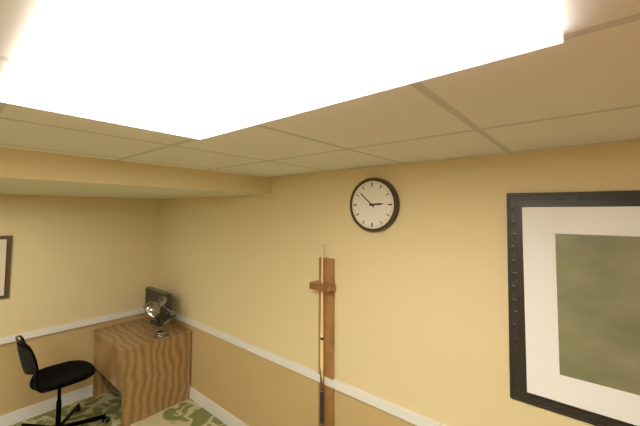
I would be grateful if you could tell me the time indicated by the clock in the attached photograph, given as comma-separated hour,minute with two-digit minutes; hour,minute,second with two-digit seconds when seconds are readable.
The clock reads 2,52
